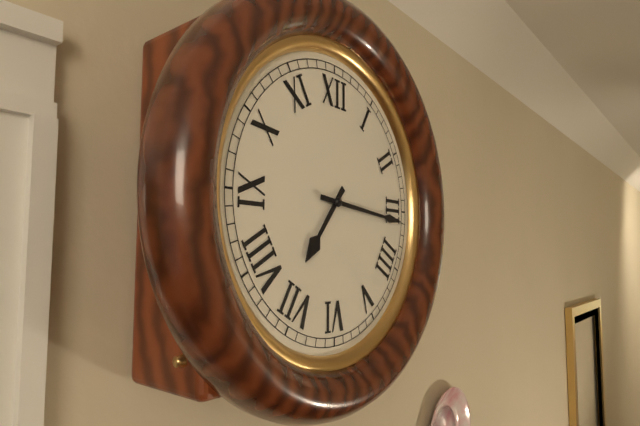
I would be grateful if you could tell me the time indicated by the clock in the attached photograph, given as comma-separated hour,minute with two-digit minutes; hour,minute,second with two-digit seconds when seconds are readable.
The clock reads 7,16
